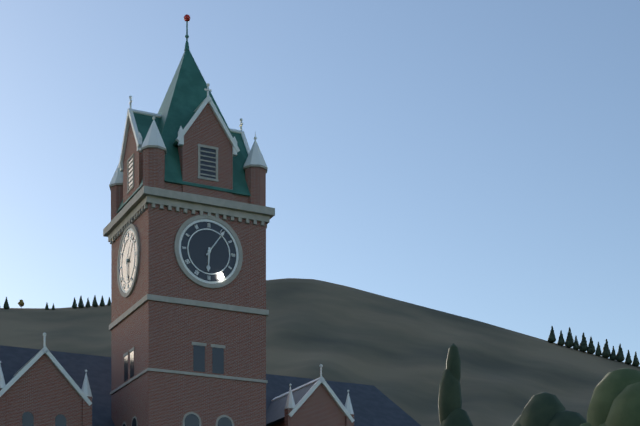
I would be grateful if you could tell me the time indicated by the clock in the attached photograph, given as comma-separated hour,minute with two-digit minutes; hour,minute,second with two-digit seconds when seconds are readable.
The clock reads 6,06
